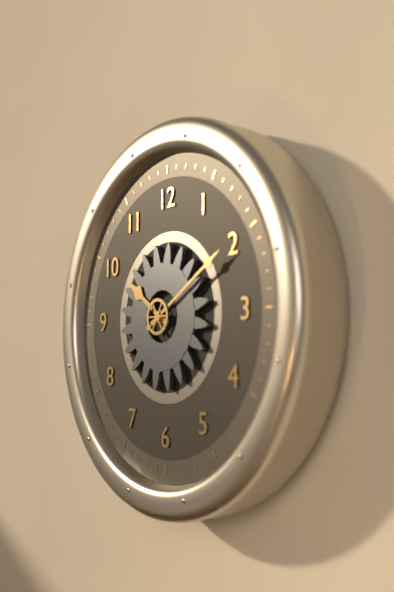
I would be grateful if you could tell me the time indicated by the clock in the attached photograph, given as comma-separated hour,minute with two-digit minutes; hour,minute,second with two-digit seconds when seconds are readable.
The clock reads 10,10
